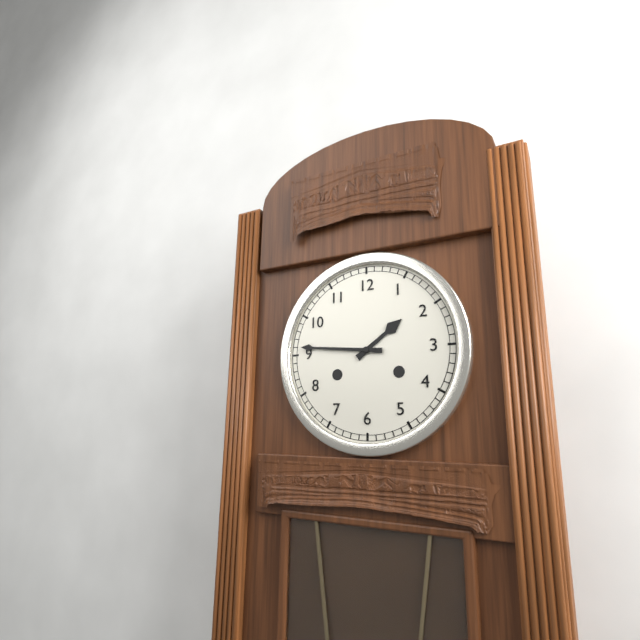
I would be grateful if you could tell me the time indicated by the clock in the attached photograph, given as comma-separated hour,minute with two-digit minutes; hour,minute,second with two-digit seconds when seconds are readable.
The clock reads 1,46
